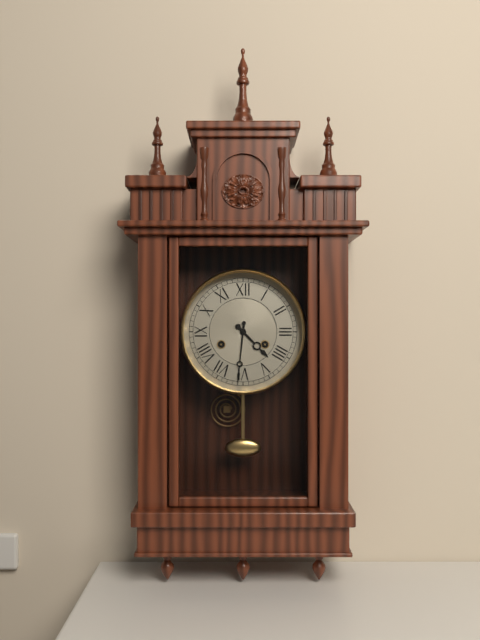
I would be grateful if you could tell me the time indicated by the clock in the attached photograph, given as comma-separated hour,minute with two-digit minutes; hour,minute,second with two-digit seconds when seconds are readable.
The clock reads 4,31
